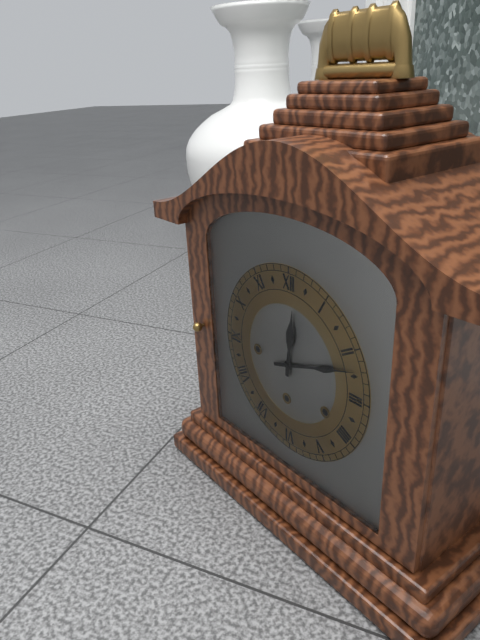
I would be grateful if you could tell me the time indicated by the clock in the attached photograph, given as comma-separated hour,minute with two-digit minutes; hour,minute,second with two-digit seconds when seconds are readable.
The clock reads 12,12
